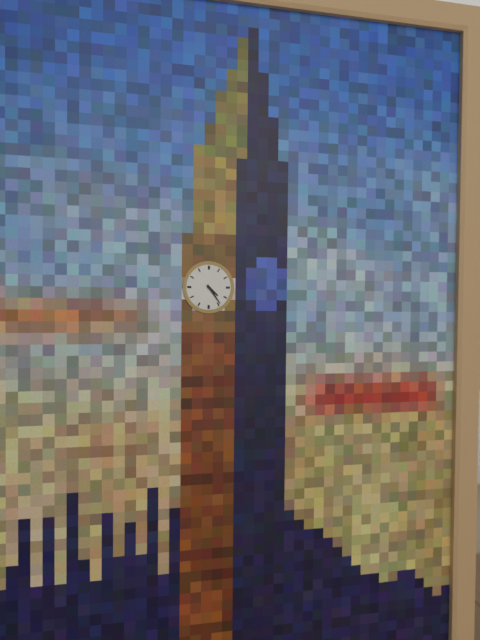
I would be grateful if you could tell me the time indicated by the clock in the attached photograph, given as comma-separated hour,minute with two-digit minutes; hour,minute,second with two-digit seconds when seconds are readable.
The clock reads 4,24
